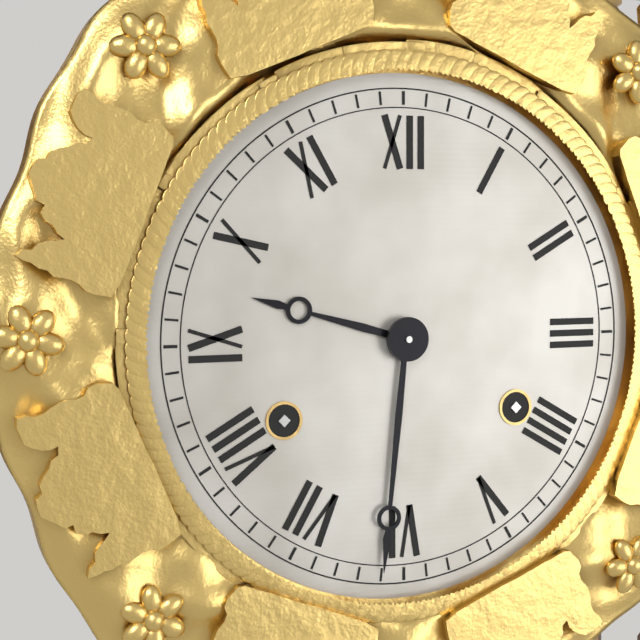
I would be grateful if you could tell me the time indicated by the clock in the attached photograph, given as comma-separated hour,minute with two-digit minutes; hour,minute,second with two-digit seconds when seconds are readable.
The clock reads 9,31
